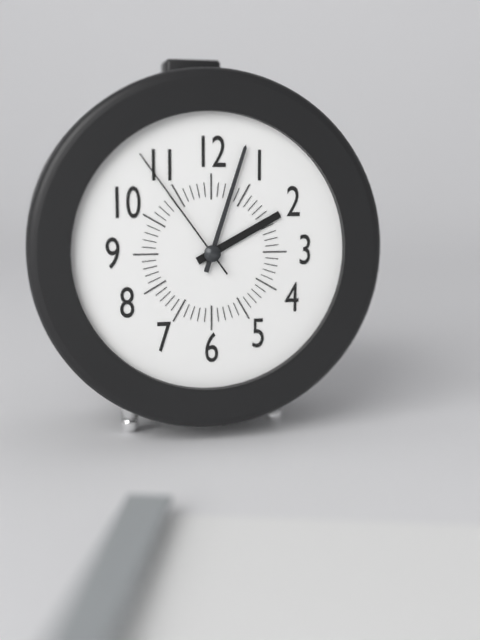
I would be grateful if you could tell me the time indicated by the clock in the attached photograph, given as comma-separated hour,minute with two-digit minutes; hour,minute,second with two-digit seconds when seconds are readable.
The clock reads 2,03,54
